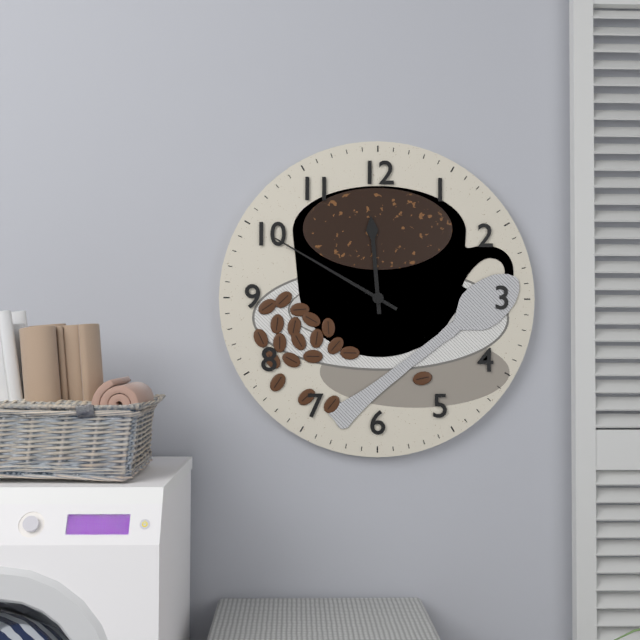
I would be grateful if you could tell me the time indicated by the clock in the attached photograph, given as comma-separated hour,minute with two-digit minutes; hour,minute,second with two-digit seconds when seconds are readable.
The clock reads 11,50
